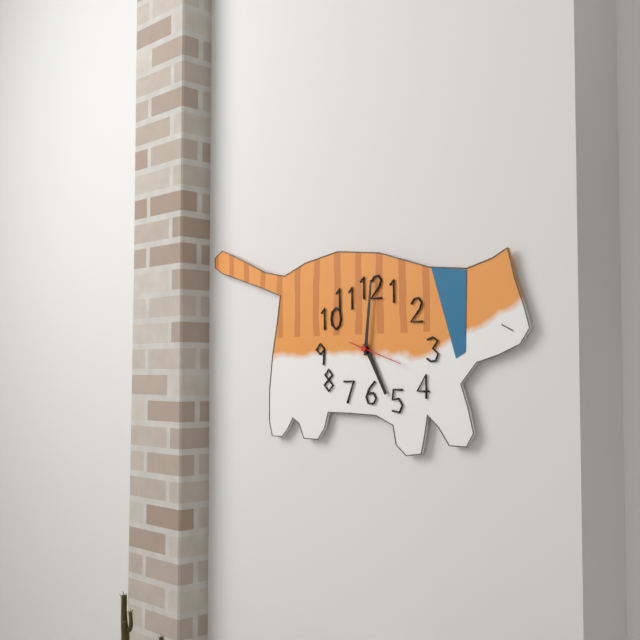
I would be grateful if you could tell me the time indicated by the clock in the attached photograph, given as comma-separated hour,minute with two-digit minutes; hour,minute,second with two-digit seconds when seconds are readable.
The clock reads 5,01
